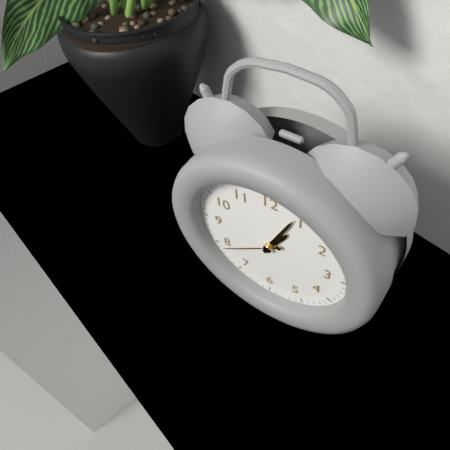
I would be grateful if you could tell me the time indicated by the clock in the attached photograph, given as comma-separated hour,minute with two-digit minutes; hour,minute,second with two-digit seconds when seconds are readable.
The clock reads 1,04,39
